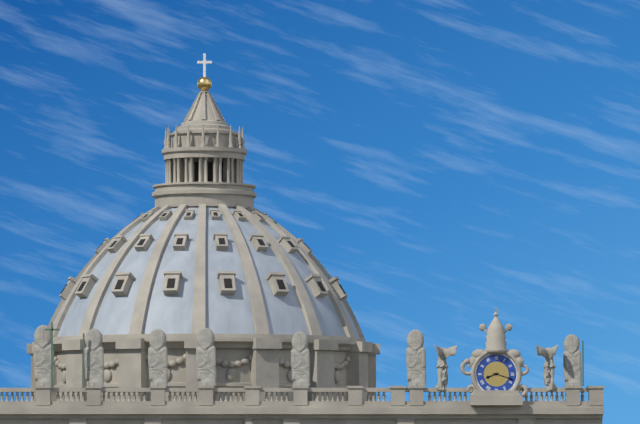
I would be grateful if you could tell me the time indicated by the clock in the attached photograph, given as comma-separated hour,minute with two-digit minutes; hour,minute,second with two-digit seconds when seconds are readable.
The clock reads 8,18
